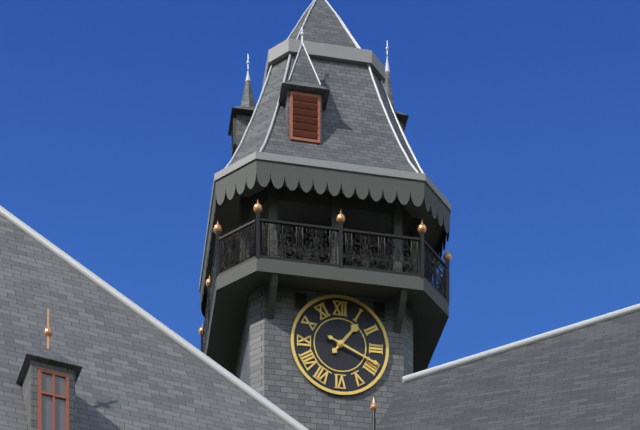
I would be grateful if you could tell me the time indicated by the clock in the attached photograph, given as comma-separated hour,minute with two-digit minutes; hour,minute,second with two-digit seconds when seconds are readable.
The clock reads 1,19
